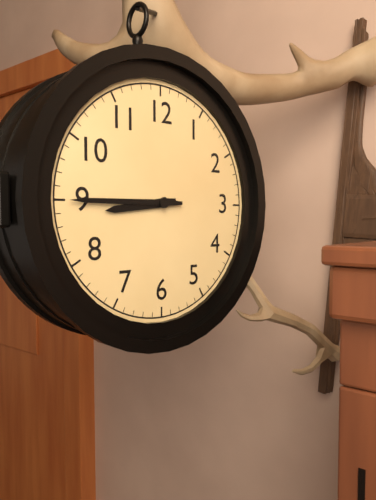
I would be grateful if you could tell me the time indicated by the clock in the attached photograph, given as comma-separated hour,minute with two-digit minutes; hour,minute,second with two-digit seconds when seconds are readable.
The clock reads 8,45
